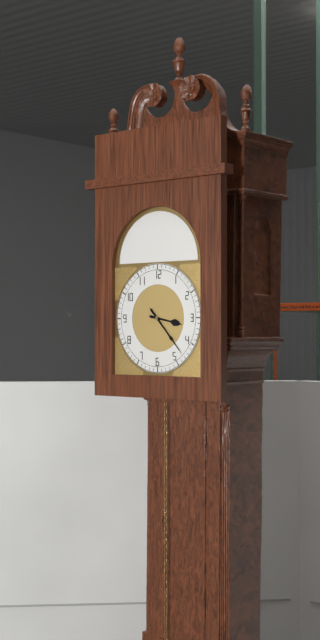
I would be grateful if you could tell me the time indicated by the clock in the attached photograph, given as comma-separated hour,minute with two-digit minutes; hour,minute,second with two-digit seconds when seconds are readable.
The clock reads 3,23
